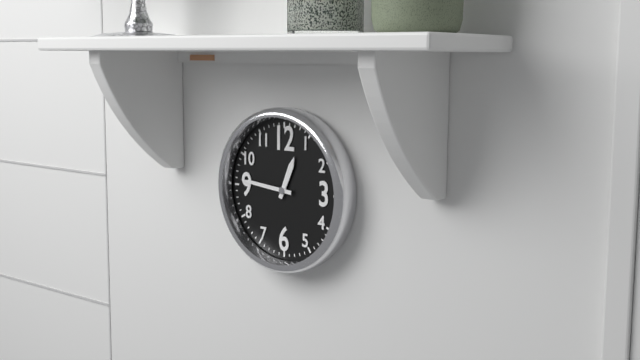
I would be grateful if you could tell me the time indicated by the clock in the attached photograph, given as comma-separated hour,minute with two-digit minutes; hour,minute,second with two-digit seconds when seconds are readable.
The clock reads 12,46
